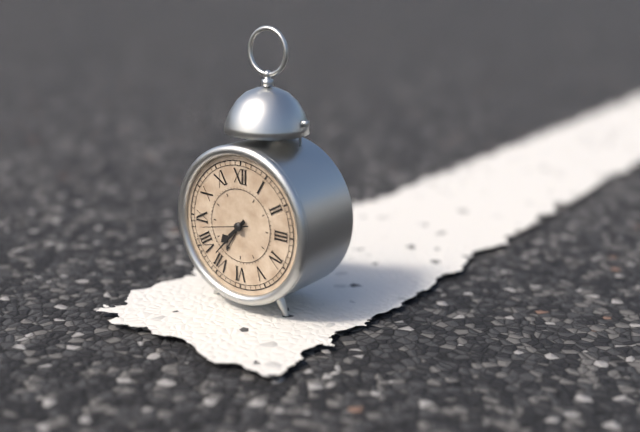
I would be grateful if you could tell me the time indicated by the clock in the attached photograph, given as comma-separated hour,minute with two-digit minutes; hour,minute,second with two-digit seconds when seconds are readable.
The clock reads 7,37
